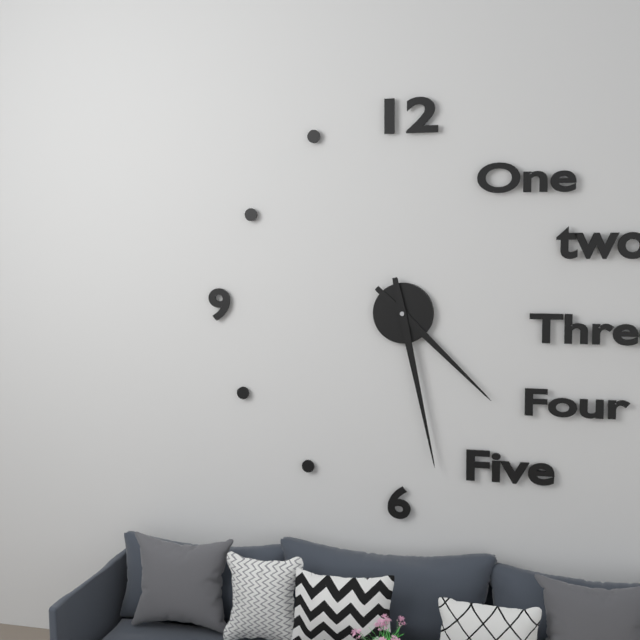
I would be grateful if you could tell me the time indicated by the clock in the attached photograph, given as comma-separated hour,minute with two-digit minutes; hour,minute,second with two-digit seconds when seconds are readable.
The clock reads 4,28
